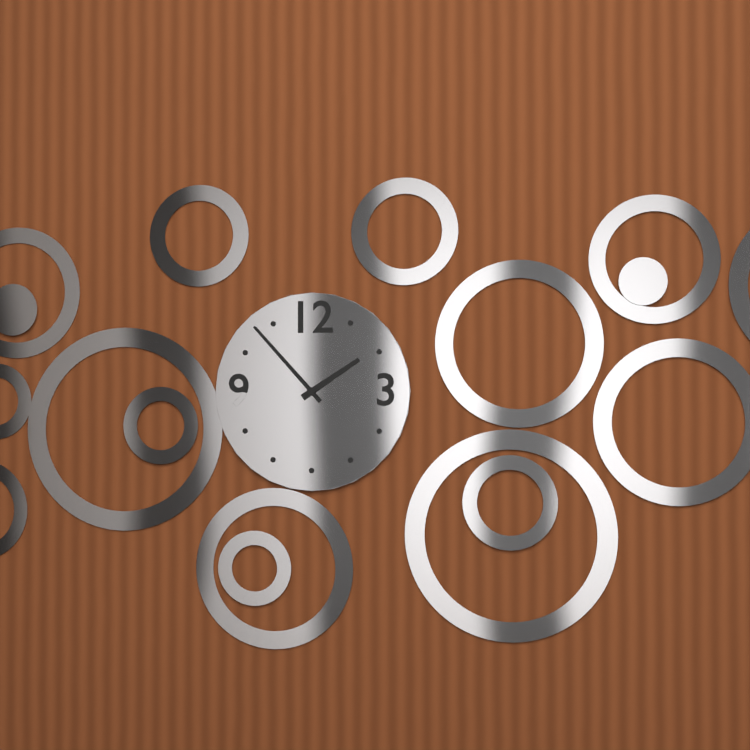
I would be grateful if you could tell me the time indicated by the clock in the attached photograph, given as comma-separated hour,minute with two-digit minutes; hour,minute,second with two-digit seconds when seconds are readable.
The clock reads 1,53
